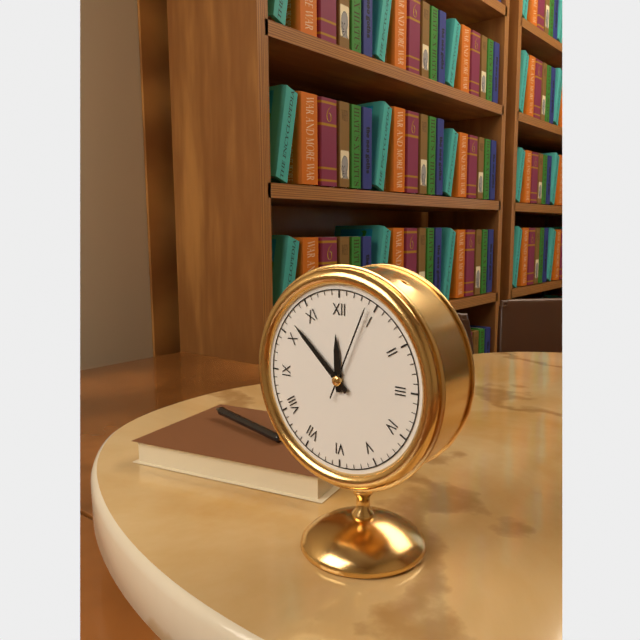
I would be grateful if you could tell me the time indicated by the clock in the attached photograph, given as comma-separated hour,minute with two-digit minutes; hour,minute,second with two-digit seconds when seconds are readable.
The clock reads 11,52,04
